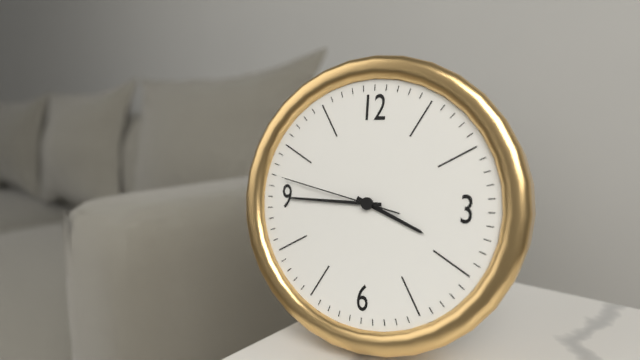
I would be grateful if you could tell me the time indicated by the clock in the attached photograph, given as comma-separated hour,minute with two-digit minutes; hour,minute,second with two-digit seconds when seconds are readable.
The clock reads 3,45,47
